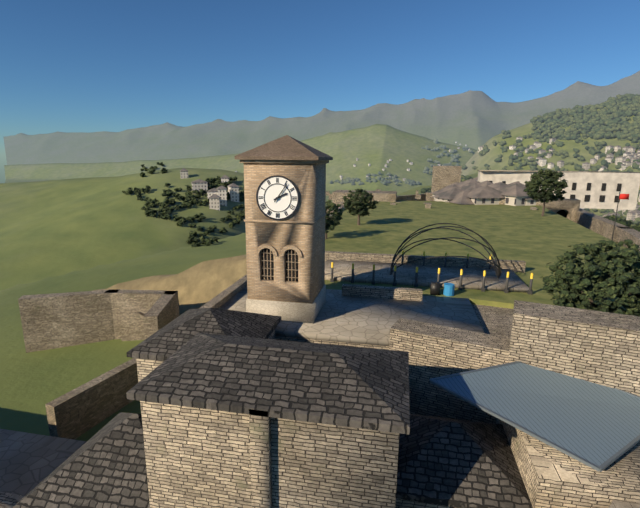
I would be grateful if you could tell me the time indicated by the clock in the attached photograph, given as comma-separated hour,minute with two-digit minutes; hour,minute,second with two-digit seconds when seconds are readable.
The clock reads 2,06
